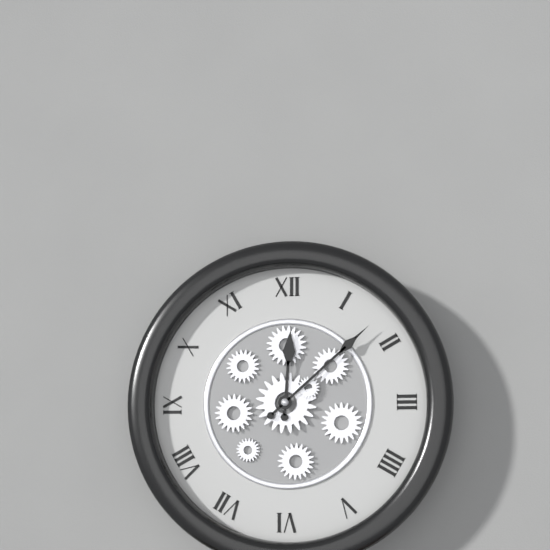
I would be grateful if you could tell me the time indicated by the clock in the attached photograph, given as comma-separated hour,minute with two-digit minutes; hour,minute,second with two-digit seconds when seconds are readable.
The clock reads 12,08
